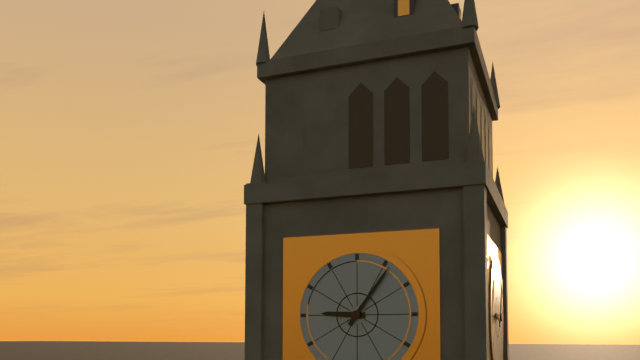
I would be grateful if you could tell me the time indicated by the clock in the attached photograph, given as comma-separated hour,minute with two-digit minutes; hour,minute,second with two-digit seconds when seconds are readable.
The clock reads 9,06
